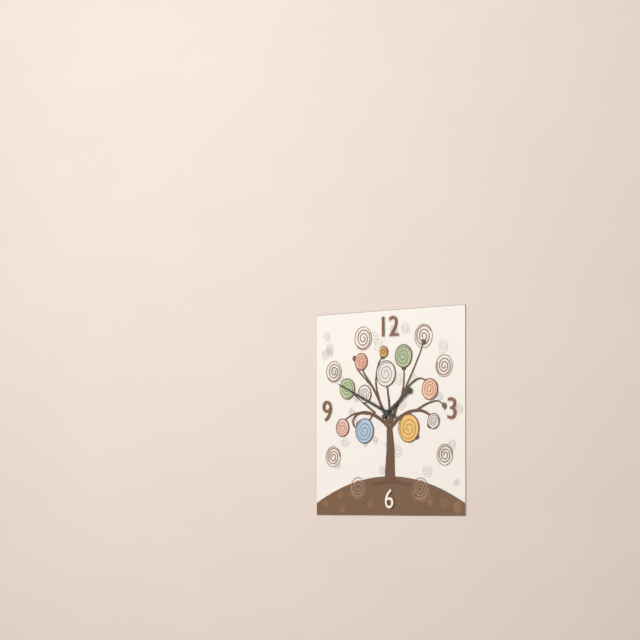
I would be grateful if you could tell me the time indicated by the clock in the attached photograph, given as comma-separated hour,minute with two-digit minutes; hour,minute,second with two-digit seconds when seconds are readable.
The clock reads 1,49
